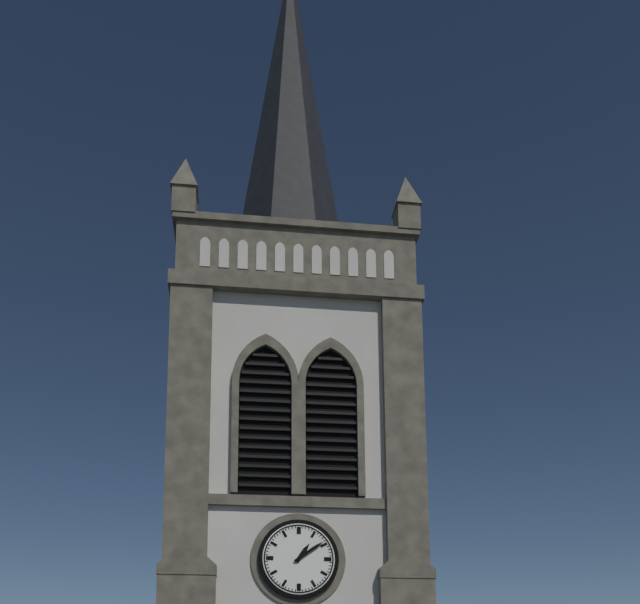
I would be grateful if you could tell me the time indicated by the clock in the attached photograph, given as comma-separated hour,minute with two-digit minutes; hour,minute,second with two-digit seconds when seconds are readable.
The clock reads 1,09
